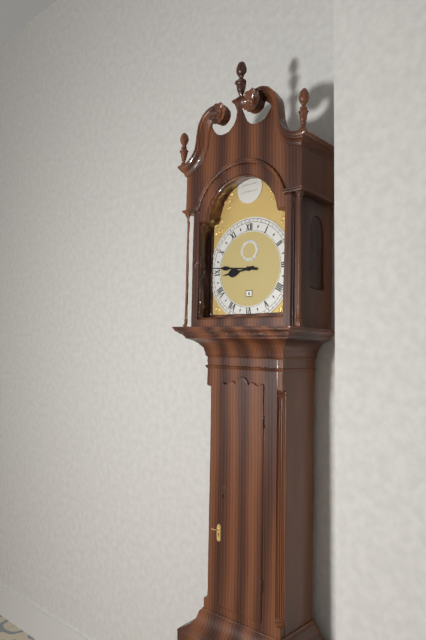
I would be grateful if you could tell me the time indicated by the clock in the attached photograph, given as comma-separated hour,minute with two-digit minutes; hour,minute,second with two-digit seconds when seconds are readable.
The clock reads 8,46
